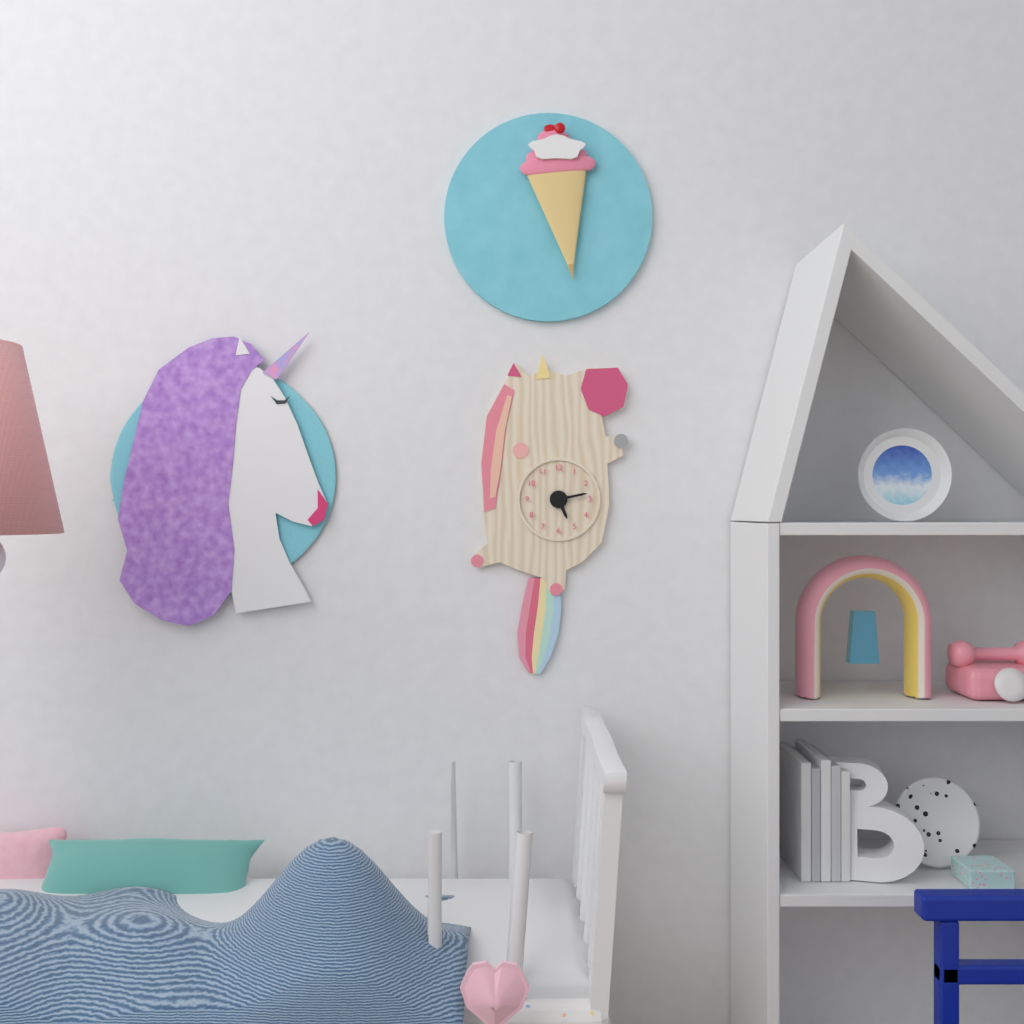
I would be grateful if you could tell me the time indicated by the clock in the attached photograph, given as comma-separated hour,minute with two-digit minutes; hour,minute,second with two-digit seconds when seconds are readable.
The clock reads 5,13
